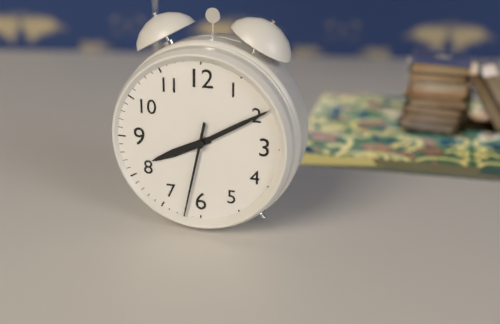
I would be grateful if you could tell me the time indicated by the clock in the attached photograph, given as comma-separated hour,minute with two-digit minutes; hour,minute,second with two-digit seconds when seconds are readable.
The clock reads 8,10,32
